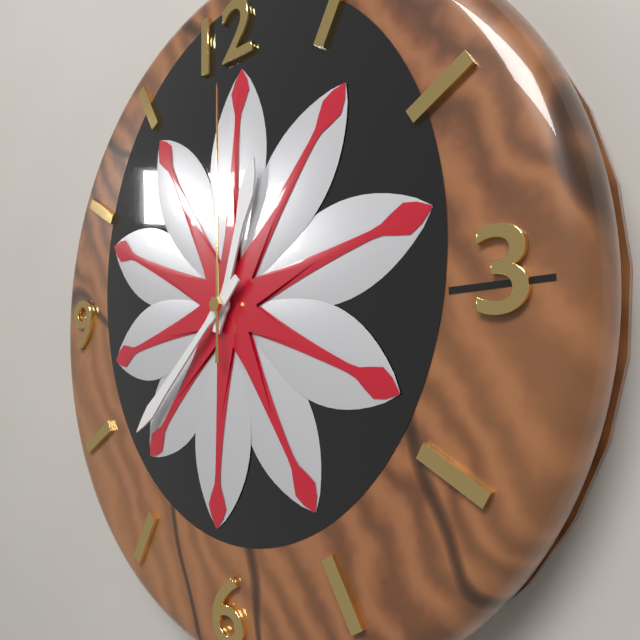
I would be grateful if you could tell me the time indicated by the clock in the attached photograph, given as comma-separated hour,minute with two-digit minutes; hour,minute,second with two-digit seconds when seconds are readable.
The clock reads 12,38,00
